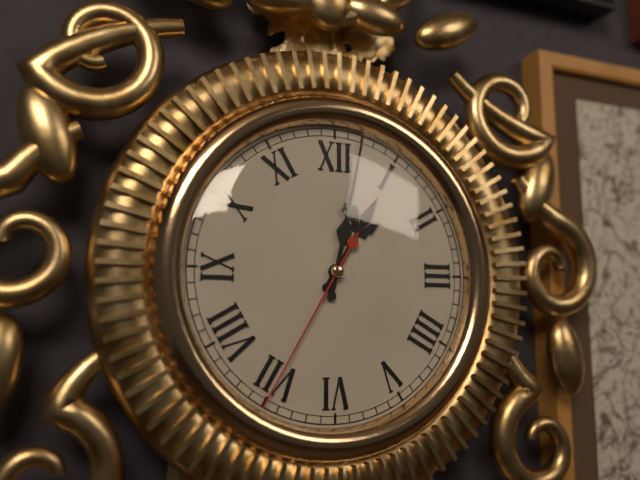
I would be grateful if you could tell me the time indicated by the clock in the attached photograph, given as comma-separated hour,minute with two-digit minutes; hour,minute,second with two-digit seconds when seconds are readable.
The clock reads 1,02,35
